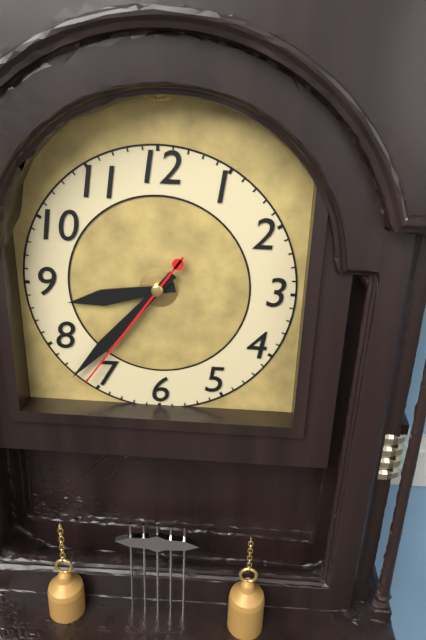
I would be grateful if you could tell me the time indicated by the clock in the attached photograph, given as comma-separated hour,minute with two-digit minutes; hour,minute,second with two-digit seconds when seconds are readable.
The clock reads 8,37,36
